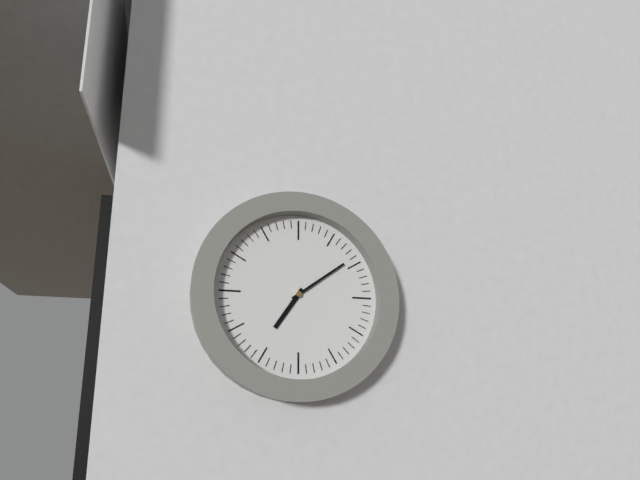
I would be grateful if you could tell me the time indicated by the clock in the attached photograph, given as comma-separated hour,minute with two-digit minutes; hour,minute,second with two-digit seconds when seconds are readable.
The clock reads 7,09
